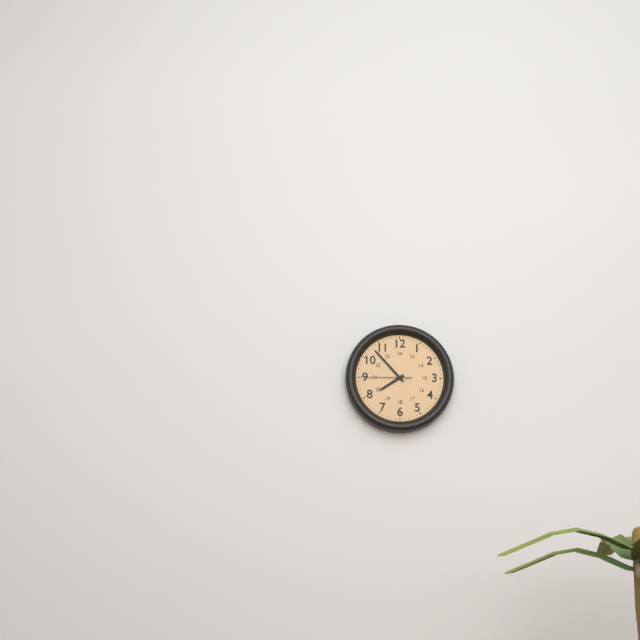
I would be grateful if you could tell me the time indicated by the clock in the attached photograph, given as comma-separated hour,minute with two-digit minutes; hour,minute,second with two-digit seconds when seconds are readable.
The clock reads 7,53
